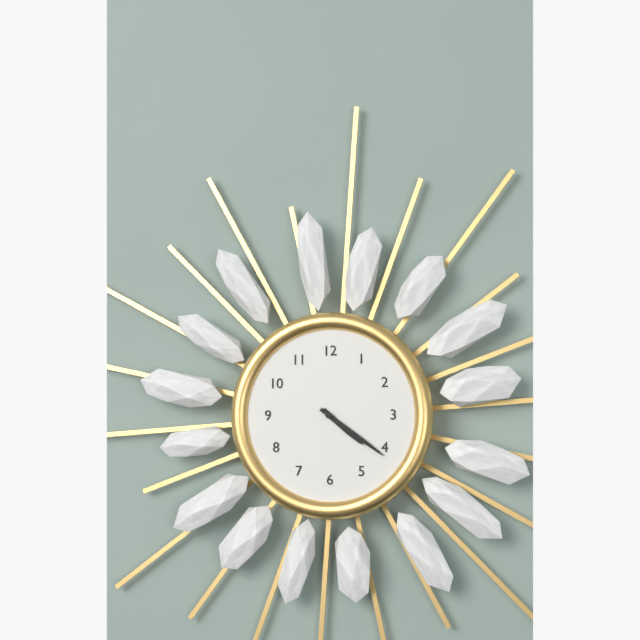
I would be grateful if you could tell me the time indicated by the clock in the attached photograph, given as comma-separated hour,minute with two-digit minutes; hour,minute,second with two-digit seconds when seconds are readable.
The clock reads 4,21
